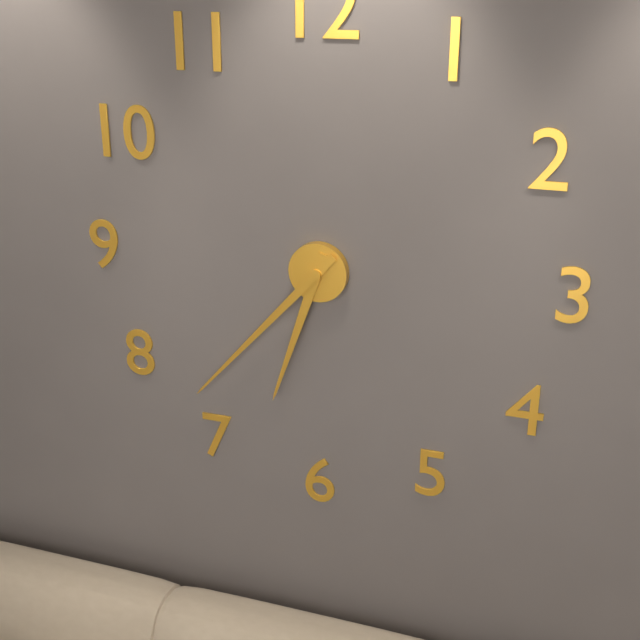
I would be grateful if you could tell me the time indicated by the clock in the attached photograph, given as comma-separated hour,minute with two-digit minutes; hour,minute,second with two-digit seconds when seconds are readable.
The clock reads 6,37
